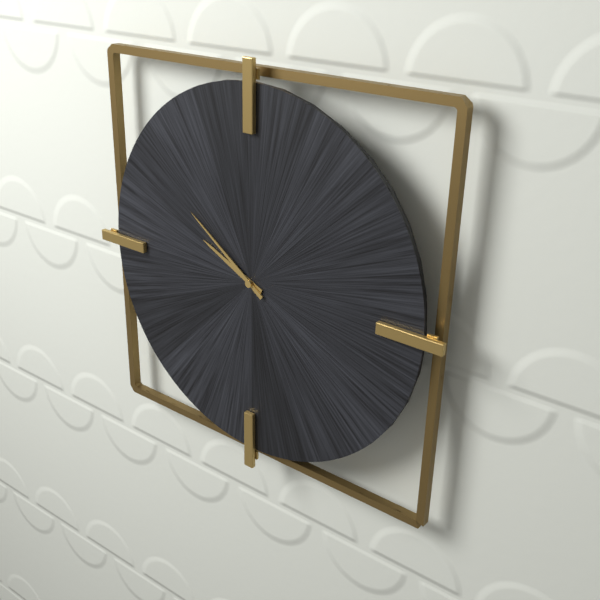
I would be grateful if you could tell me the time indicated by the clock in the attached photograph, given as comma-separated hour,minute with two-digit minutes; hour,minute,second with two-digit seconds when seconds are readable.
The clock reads 9,51
